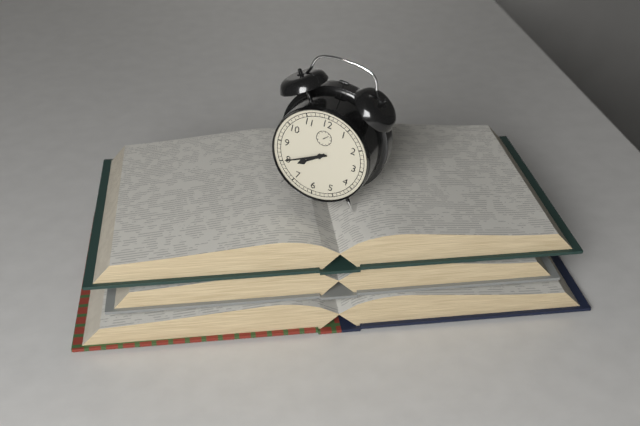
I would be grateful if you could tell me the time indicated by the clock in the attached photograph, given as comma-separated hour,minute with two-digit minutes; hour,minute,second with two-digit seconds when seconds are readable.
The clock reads 7,40
